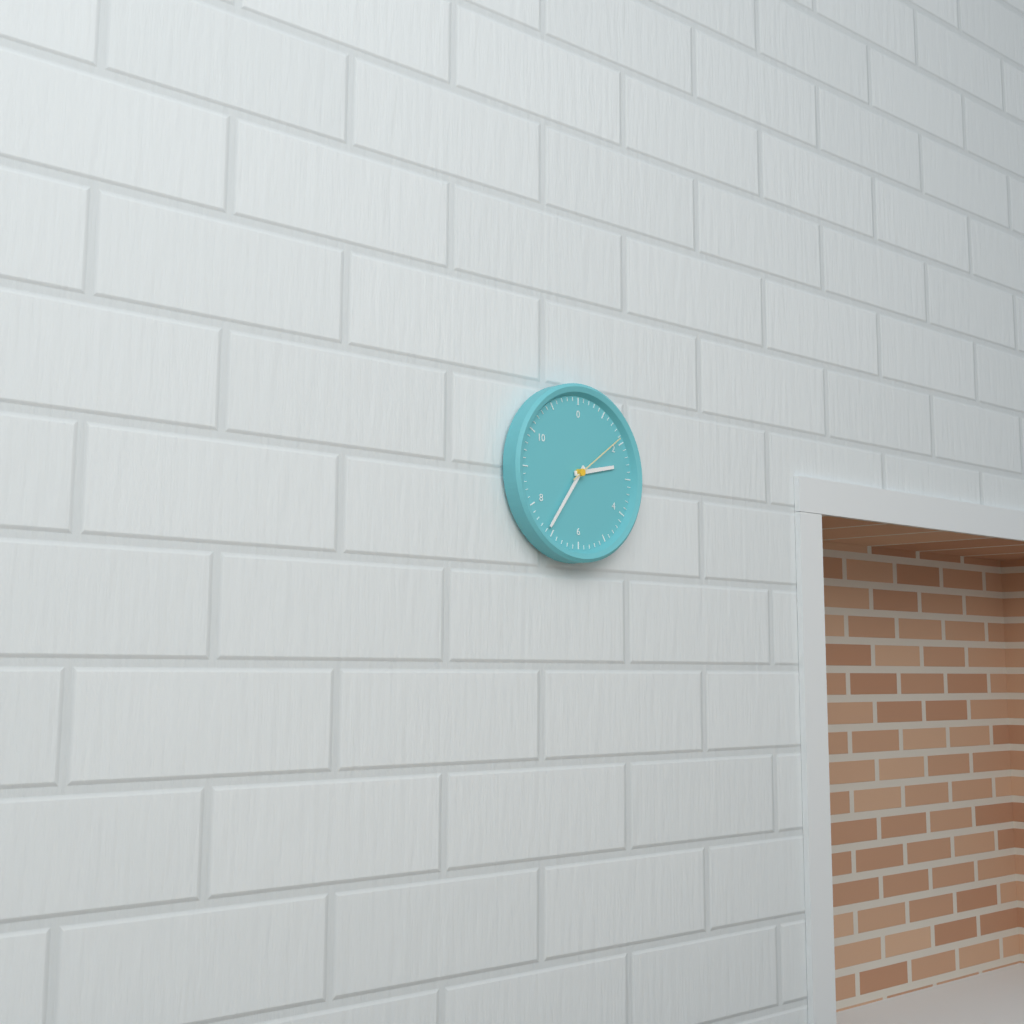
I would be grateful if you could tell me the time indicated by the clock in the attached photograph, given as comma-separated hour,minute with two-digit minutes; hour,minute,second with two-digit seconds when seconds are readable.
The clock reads 2,36,09
